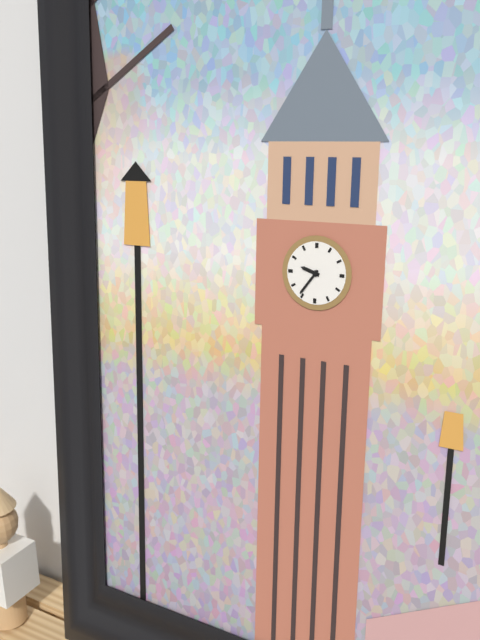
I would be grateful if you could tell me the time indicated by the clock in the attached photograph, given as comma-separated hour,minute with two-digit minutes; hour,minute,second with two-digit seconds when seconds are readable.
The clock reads 9,36
